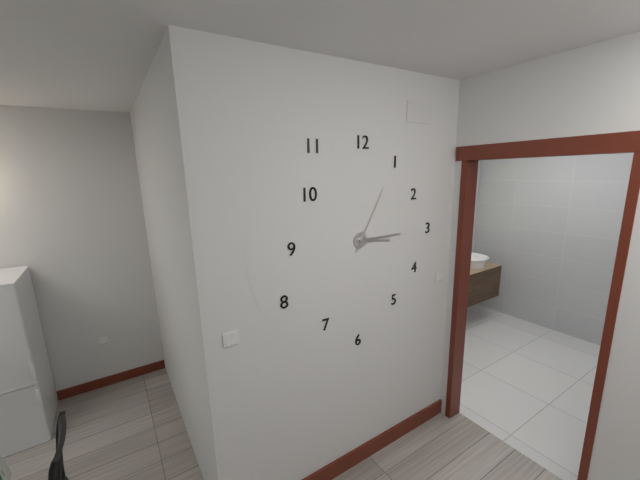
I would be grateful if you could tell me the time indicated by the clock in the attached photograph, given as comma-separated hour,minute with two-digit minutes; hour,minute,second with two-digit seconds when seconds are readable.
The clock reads 3,15,05
